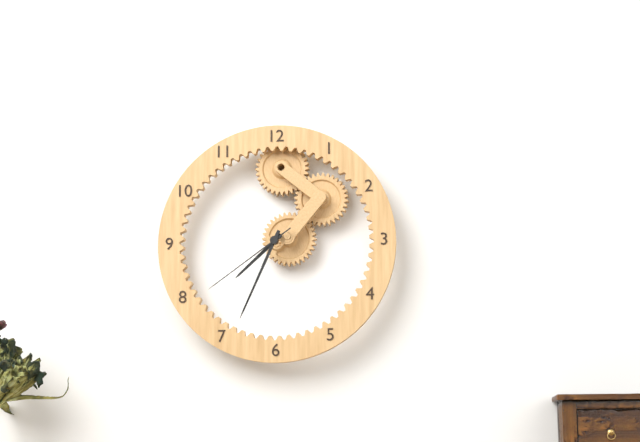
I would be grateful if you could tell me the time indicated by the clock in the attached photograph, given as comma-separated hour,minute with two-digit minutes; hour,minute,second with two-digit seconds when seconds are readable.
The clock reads 7,34,39
